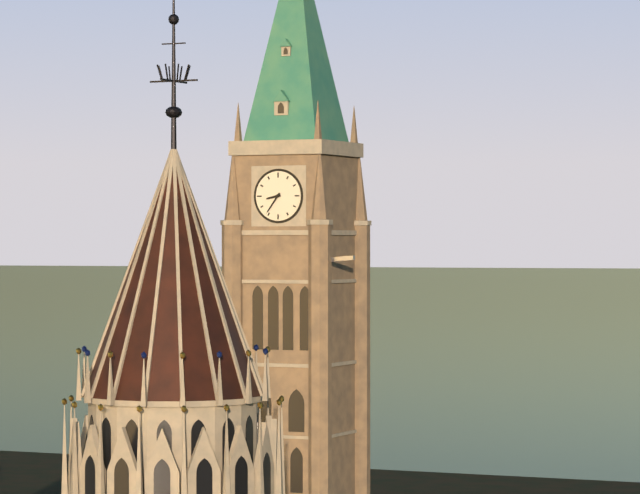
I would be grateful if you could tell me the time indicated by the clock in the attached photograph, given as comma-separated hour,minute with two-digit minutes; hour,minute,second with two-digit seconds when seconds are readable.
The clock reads 8,36
